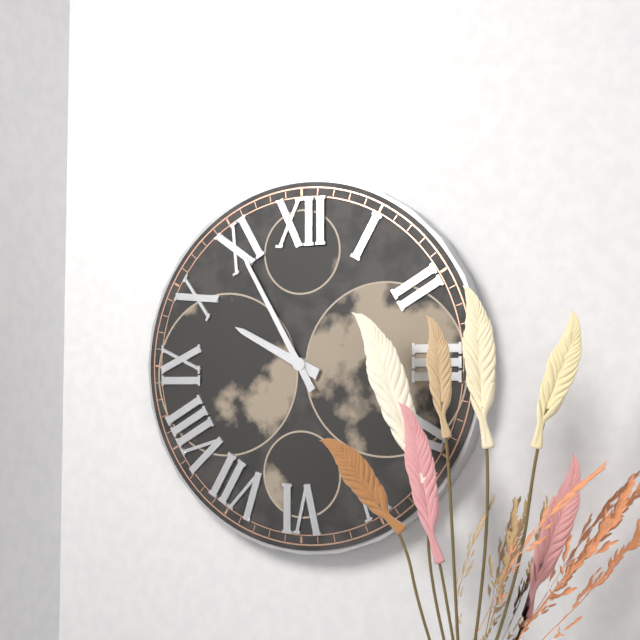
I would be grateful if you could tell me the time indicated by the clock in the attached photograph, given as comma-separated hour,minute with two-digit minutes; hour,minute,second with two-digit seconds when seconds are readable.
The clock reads 9,55
